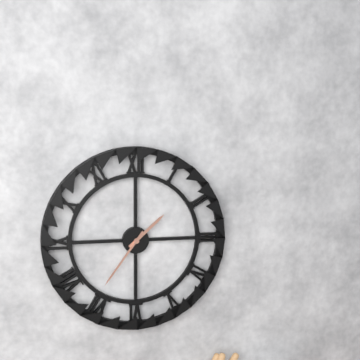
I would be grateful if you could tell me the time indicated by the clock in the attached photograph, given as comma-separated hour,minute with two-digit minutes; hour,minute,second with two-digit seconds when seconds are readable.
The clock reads 1,36
